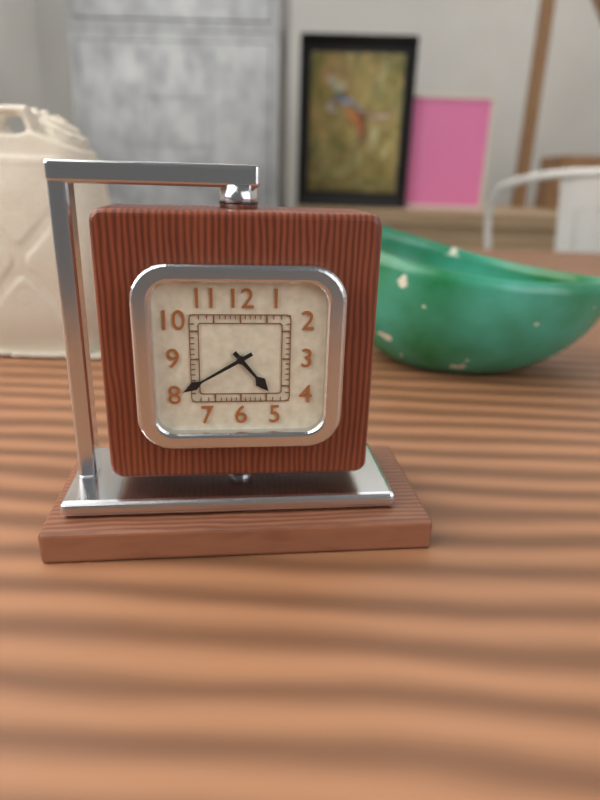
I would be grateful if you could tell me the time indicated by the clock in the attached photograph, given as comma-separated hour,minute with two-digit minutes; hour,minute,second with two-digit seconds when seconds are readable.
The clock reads 4,40
